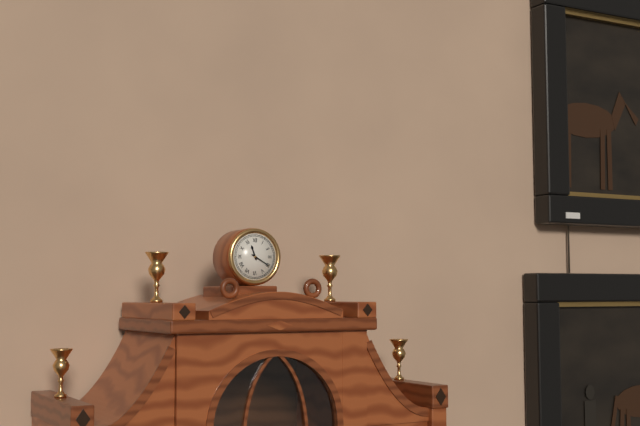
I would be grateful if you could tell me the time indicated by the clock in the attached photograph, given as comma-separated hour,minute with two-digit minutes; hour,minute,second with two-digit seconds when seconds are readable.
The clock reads 11,20
